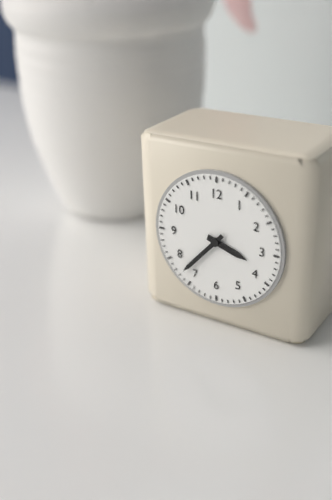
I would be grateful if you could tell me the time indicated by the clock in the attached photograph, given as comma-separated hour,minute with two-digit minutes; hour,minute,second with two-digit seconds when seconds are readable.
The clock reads 3,37
